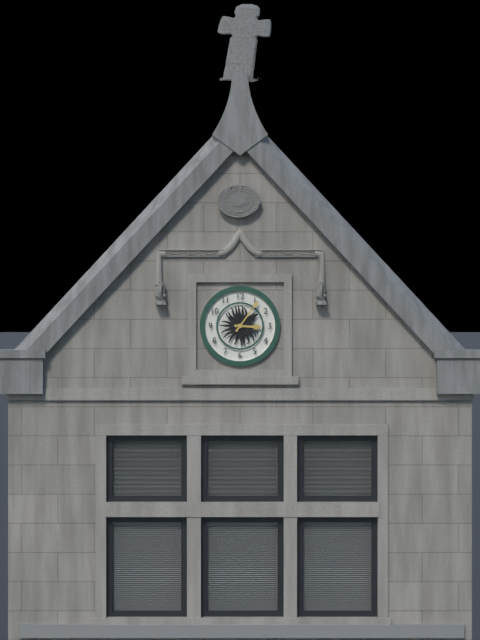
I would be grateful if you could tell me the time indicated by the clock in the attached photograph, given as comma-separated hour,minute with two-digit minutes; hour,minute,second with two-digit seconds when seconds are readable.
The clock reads 3,06
